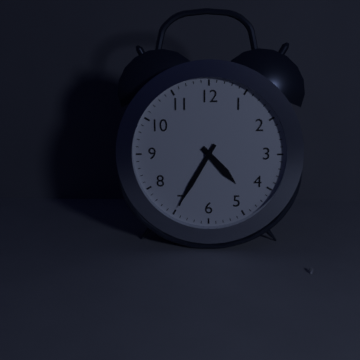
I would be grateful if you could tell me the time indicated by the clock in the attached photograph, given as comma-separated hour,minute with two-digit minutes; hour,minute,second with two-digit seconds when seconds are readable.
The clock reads 4,35
